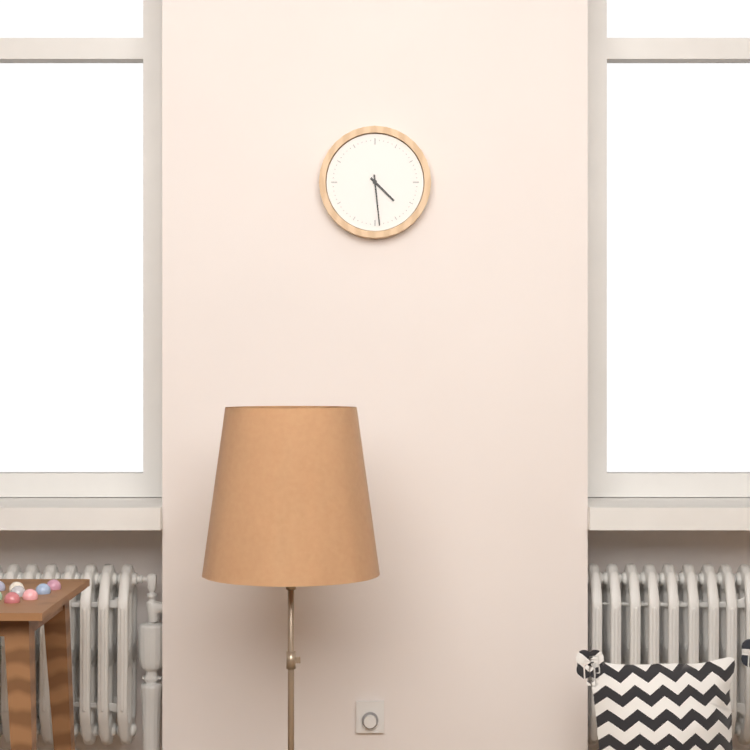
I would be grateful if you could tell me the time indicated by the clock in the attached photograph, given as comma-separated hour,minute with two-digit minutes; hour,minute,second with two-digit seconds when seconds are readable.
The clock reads 4,29
